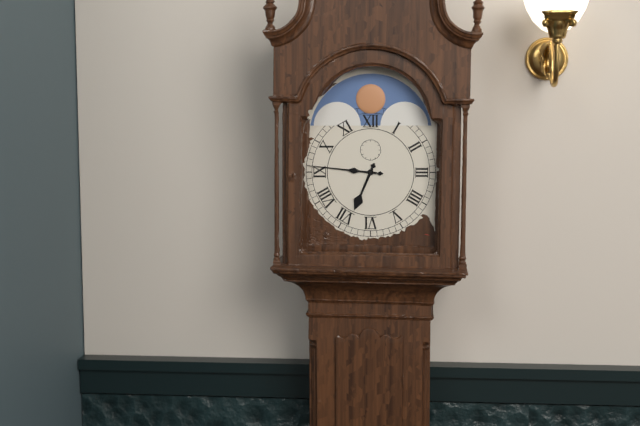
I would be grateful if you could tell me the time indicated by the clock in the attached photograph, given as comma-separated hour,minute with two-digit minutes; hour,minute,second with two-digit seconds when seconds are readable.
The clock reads 6,46
